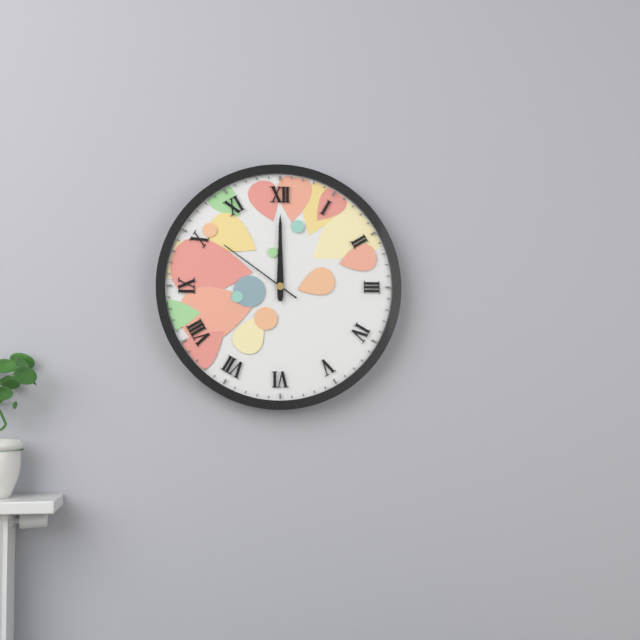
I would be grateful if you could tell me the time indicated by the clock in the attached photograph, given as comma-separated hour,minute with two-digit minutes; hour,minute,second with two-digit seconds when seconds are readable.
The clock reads 12,00,51
